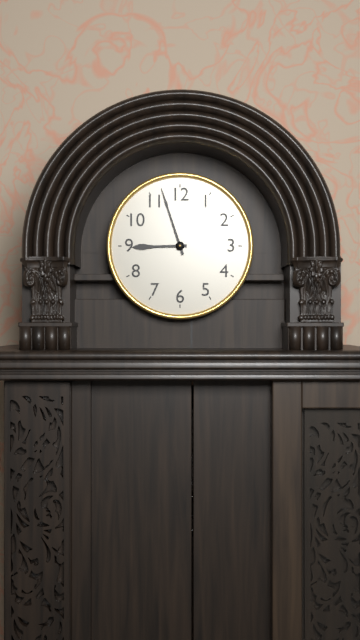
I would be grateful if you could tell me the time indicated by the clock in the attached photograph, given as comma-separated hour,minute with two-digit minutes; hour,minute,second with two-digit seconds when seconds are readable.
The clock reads 8,57
